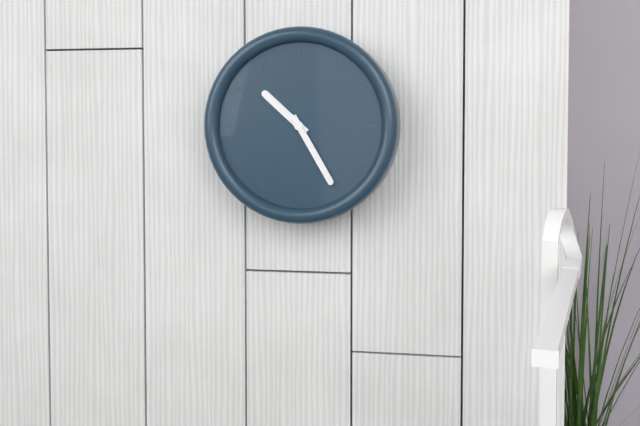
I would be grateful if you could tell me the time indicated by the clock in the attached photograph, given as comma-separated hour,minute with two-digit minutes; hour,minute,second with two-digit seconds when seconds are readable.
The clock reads 10,25
